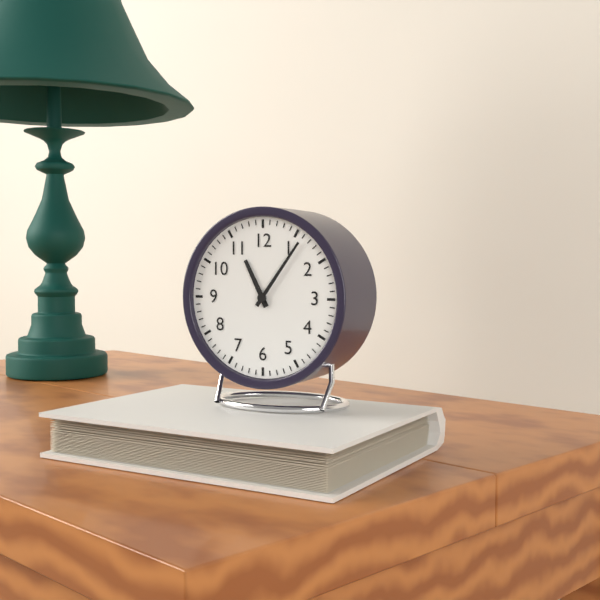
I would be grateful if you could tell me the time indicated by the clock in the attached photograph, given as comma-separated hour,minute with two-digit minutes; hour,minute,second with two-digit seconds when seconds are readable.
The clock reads 11,06
